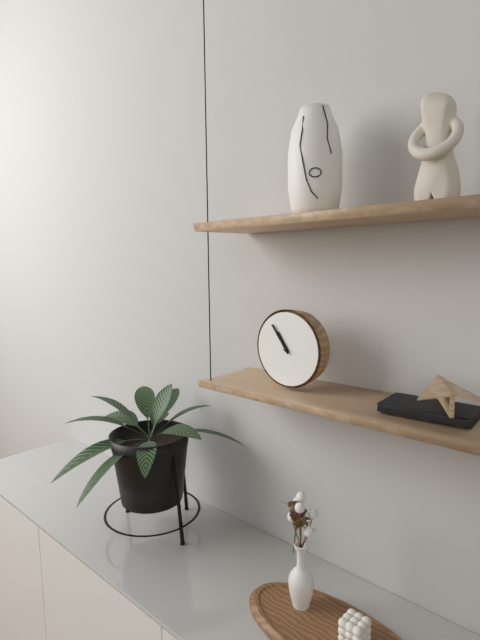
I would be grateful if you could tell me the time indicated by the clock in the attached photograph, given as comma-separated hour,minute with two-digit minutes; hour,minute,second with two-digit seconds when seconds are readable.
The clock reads 10,54
